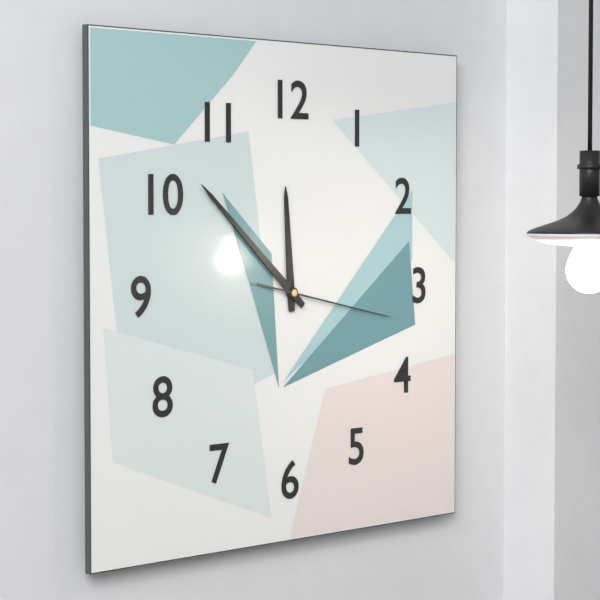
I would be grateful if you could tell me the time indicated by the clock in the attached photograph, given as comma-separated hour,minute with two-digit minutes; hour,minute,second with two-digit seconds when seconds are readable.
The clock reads 11,52,17
